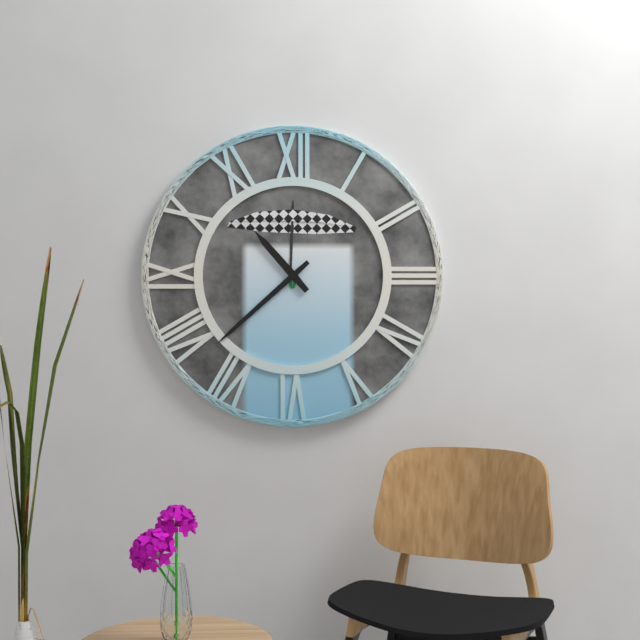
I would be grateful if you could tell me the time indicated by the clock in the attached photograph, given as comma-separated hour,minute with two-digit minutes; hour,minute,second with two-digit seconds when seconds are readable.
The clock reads 10,38
